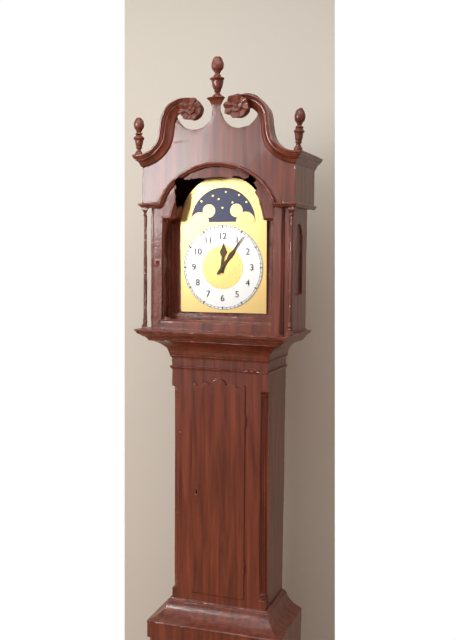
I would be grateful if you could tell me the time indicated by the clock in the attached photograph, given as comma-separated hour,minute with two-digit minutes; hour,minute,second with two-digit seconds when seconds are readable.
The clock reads 12,06
